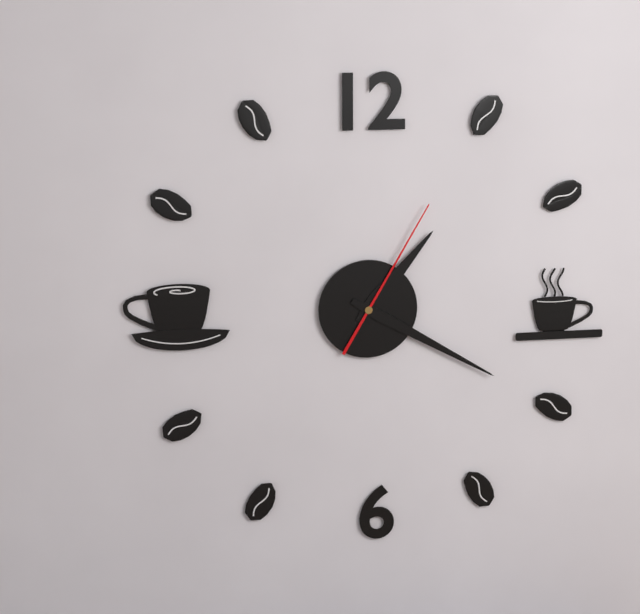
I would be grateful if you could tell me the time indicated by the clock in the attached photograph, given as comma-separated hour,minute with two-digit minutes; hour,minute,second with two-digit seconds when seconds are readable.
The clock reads 1,20,05
